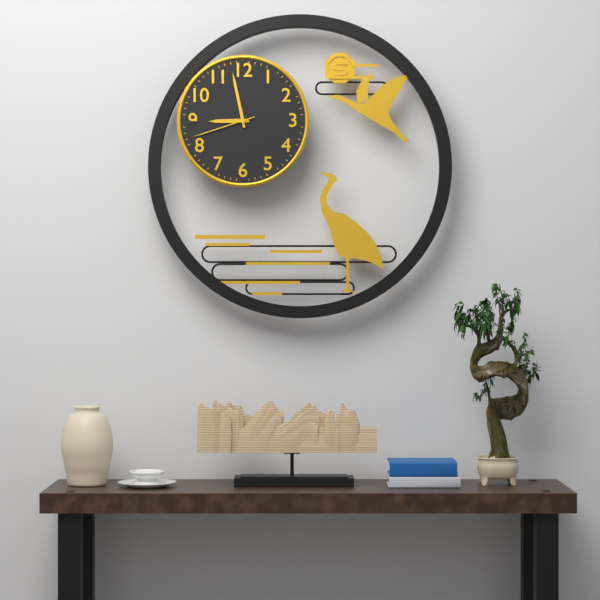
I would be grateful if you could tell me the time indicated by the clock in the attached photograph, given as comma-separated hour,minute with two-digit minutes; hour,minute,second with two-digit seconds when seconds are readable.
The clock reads 8,58,42
